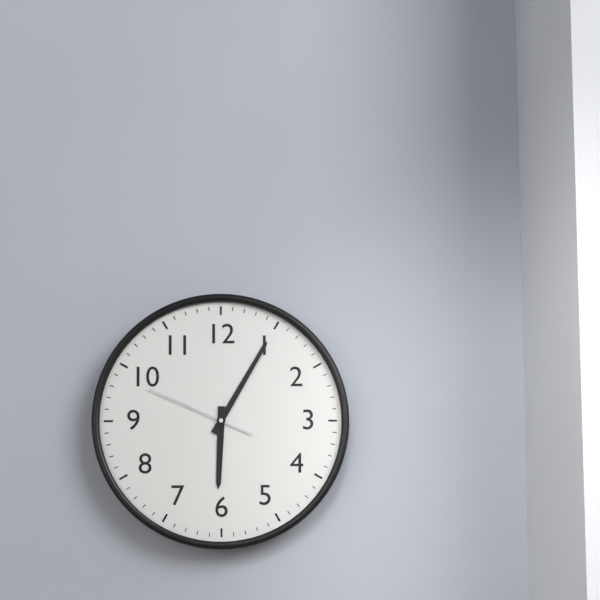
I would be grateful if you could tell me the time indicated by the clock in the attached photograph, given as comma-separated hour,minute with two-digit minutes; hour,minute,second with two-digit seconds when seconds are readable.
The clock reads 6,05,49
